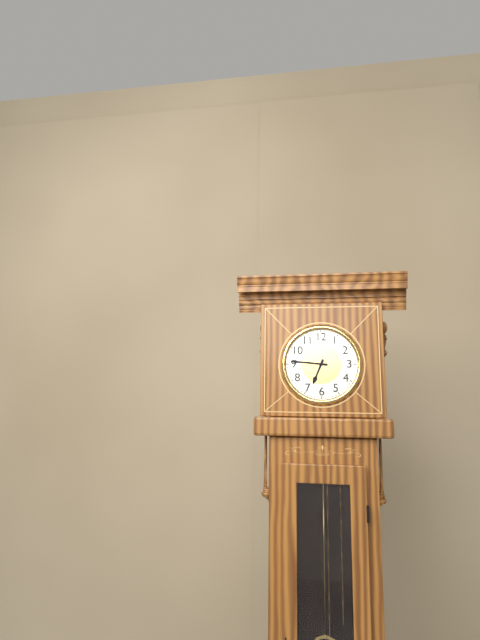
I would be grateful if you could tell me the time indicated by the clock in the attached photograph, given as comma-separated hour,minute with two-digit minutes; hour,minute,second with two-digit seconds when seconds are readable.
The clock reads 6,46
